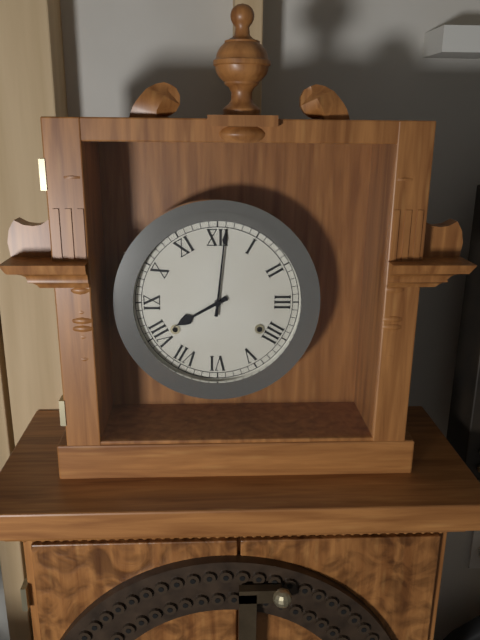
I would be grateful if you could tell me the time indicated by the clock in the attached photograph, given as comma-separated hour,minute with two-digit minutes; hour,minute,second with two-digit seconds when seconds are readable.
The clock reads 8,01
